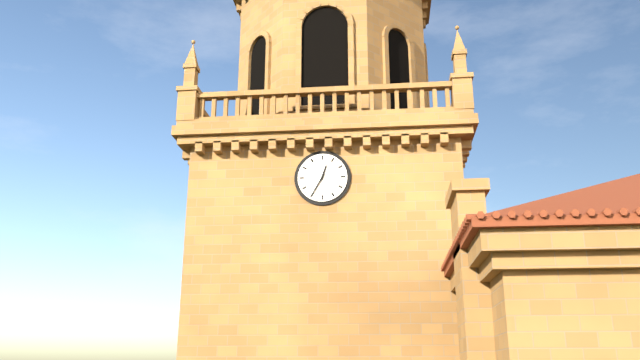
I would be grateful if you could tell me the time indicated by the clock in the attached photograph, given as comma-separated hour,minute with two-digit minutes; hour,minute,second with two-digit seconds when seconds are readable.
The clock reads 12,35
